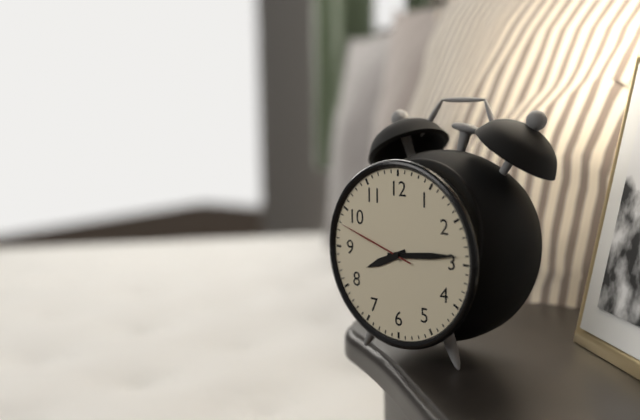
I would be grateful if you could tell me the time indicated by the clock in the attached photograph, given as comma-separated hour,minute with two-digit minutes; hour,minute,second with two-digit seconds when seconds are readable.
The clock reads 8,14,48
